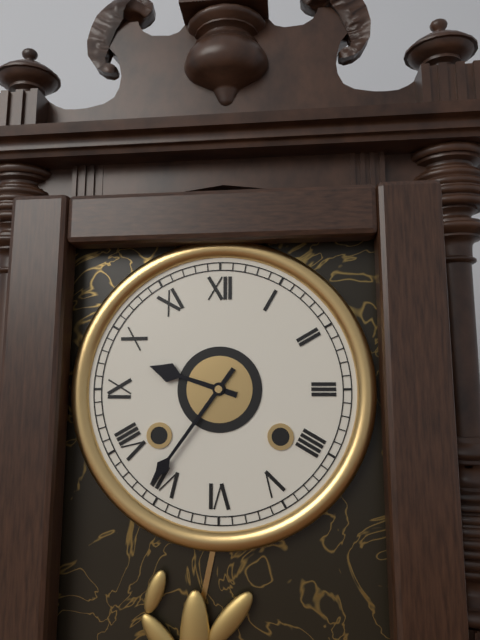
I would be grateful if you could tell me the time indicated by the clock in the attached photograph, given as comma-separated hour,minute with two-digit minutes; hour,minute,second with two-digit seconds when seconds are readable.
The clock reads 9,36
